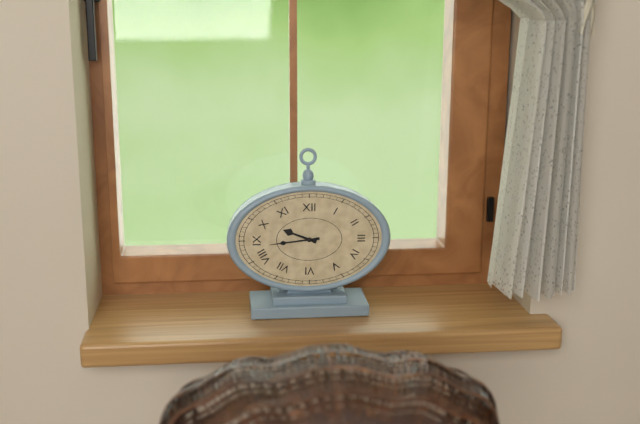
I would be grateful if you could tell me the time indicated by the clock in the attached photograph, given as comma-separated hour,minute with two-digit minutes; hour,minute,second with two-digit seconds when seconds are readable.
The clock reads 9,44
